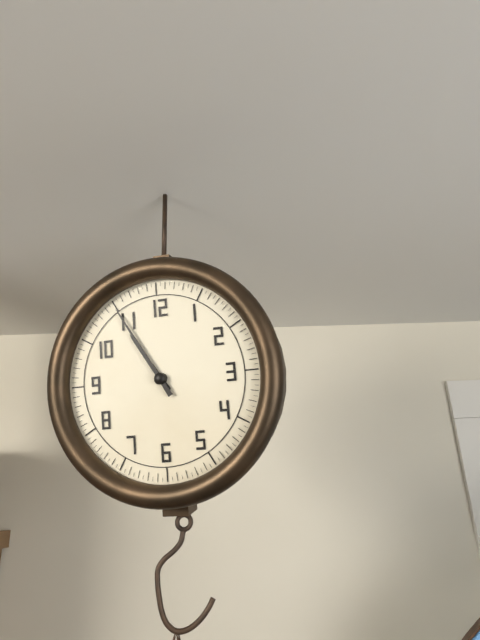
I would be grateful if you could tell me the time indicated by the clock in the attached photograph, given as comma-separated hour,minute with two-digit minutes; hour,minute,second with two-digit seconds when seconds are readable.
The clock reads 10,55
